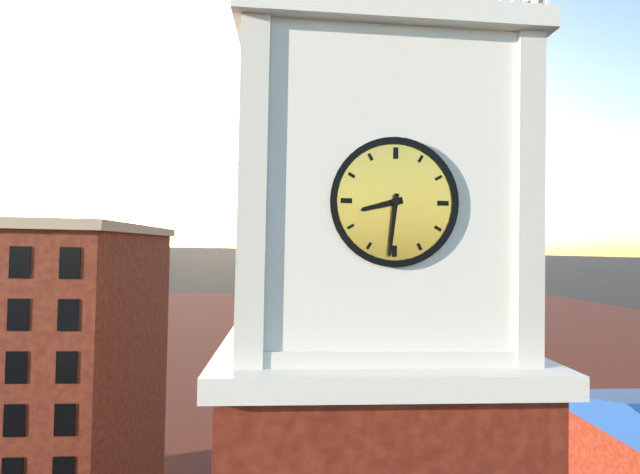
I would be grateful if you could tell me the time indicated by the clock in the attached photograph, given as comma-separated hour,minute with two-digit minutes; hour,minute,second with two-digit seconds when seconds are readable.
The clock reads 8,31
